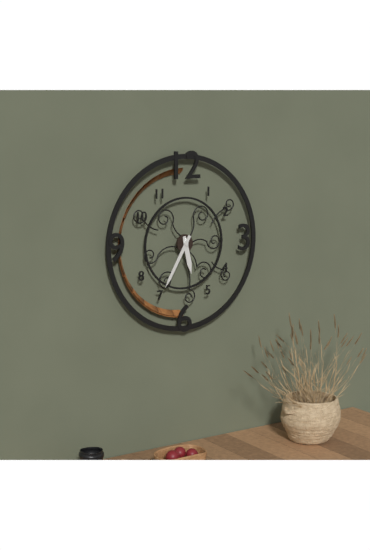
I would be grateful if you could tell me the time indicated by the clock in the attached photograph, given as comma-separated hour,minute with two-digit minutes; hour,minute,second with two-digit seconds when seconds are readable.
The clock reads 5,35
